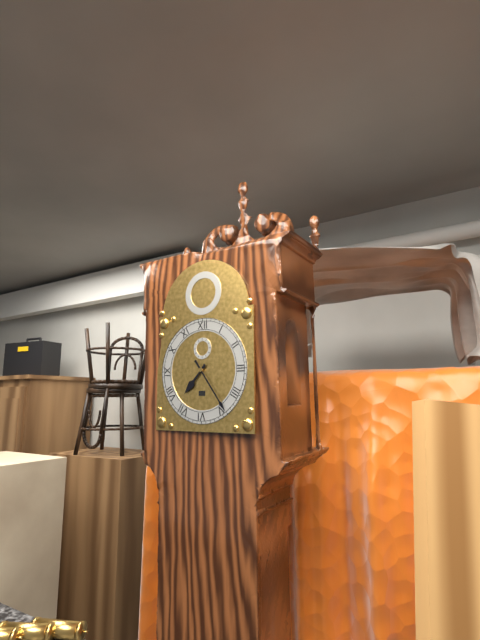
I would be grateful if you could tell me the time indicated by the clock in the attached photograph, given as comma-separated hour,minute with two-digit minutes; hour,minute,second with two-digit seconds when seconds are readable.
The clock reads 7,24
